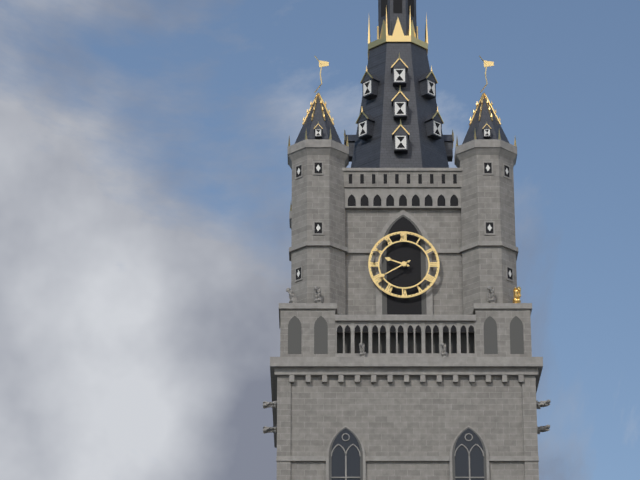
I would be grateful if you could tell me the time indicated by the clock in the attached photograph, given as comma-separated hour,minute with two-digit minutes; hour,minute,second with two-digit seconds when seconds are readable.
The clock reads 9,40
